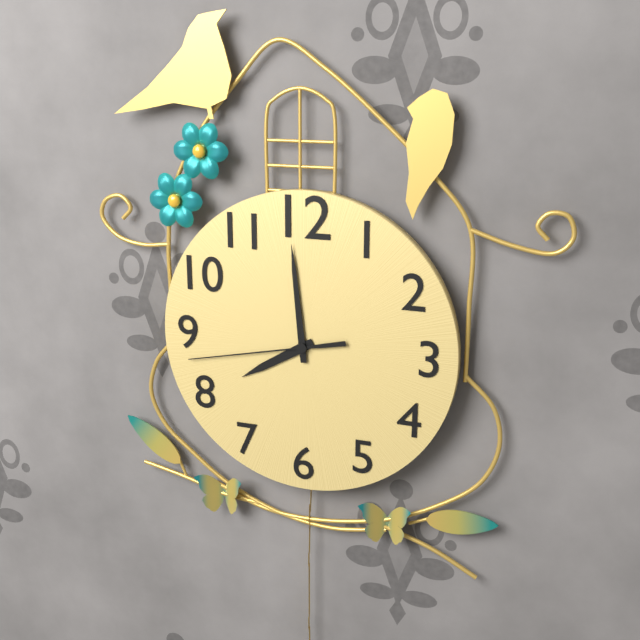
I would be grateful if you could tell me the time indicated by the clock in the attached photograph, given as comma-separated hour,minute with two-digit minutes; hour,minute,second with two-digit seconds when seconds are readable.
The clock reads 7,59,43
